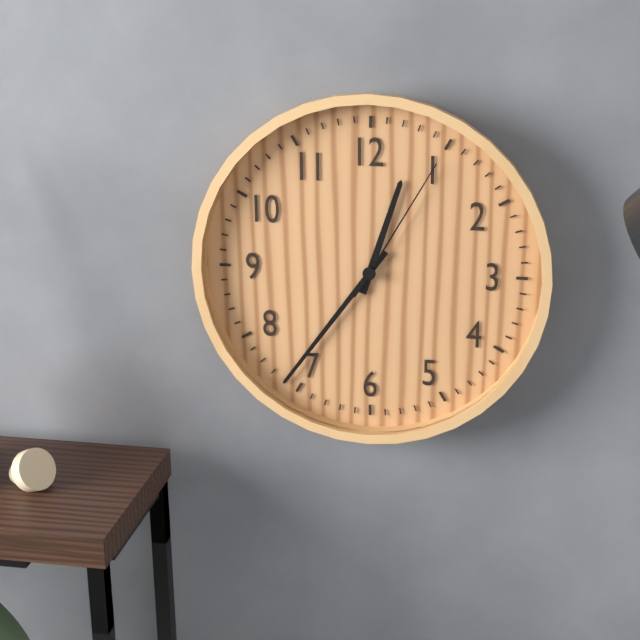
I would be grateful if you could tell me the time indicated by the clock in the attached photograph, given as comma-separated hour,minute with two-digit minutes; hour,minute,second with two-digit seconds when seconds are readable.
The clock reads 12,36,05
